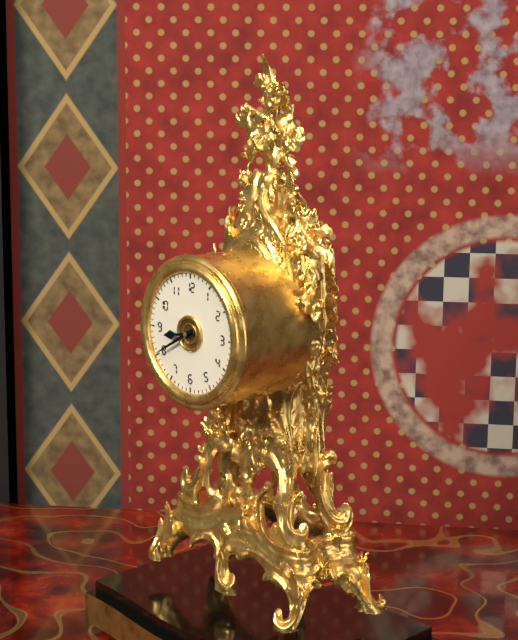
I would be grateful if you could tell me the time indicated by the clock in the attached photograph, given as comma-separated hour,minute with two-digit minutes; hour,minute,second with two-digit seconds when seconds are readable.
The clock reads 8,40
